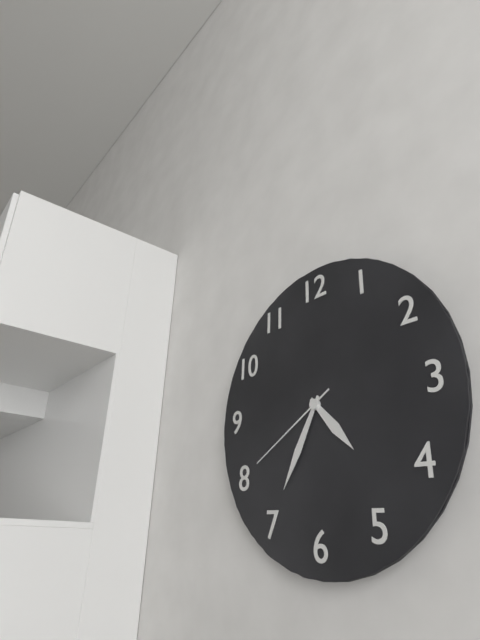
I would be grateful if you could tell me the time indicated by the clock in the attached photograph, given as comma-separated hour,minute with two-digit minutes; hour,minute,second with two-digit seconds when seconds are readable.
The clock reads 4,35,40
